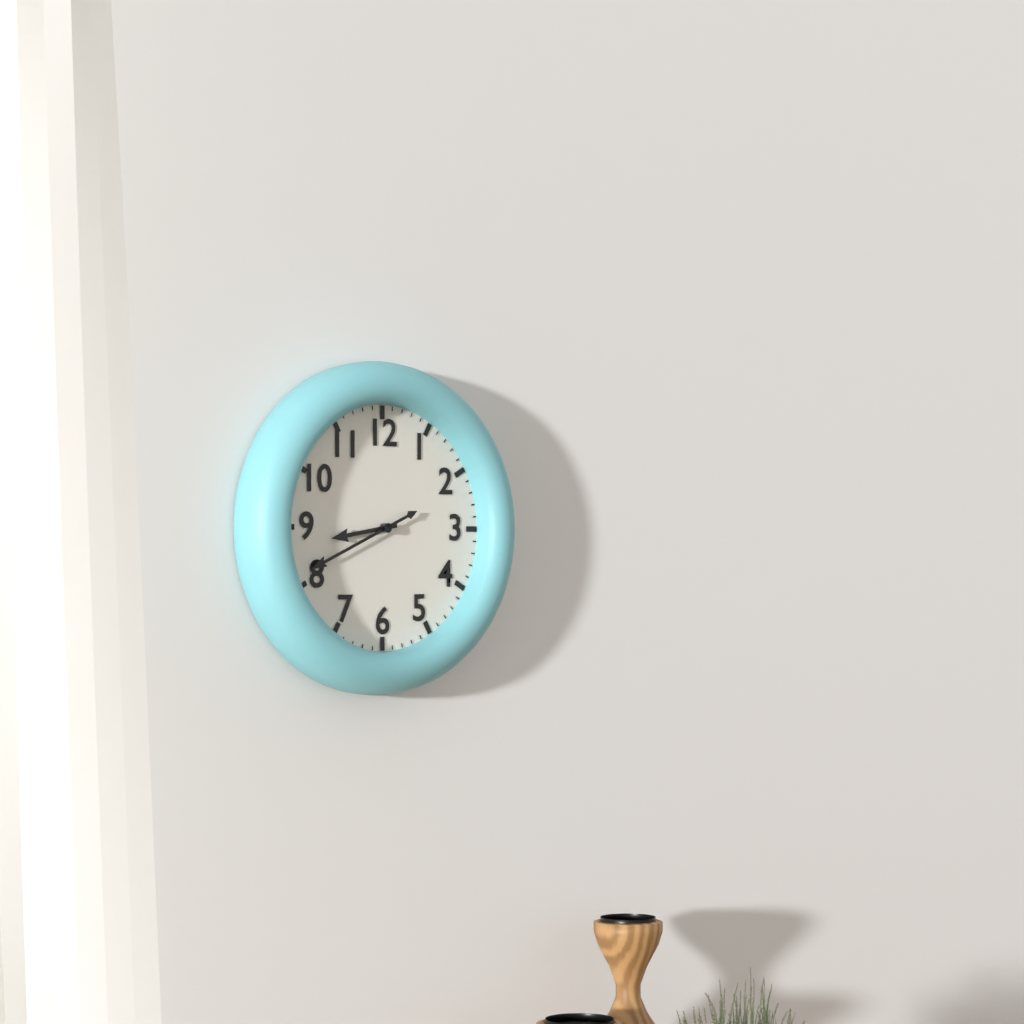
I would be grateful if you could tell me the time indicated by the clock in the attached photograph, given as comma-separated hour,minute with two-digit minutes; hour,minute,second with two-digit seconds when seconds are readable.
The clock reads 8,41
